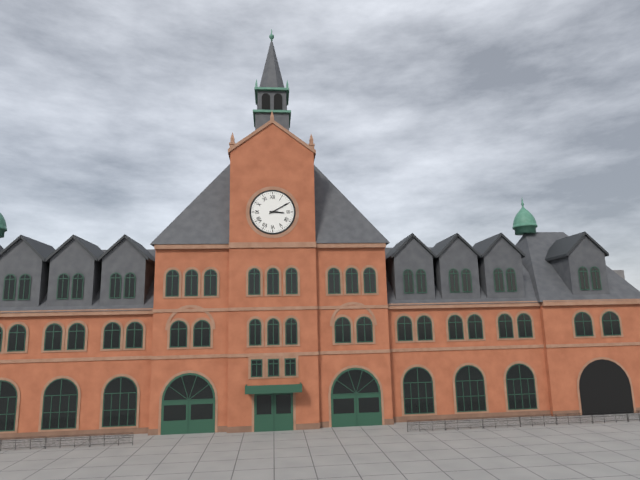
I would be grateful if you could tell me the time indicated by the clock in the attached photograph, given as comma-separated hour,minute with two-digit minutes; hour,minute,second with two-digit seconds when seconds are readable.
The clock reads 3,10
